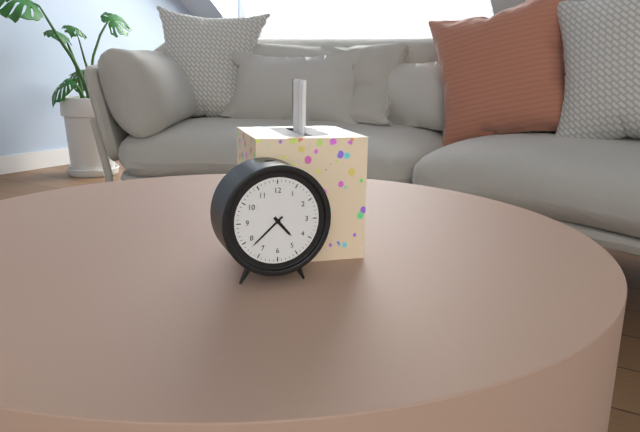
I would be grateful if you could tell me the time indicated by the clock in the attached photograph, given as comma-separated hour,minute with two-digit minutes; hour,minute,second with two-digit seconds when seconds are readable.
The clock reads 4,38
